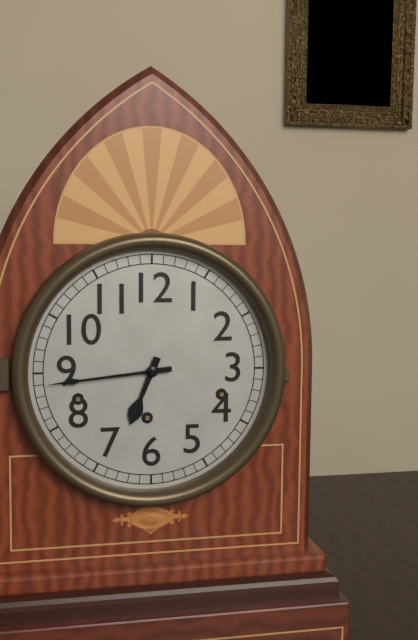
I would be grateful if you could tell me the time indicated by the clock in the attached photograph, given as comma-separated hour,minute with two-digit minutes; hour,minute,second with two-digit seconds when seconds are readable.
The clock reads 6,44
